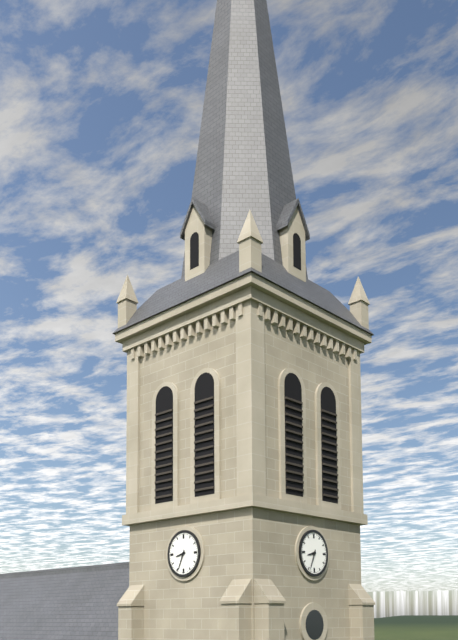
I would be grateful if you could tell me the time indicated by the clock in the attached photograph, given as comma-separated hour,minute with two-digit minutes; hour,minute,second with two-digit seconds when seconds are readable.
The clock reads 8,34
